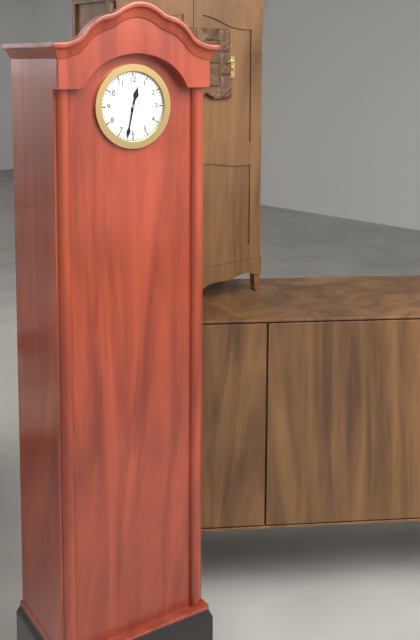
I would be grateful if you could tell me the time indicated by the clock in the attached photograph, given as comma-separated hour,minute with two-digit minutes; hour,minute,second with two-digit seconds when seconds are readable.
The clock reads 12,32
